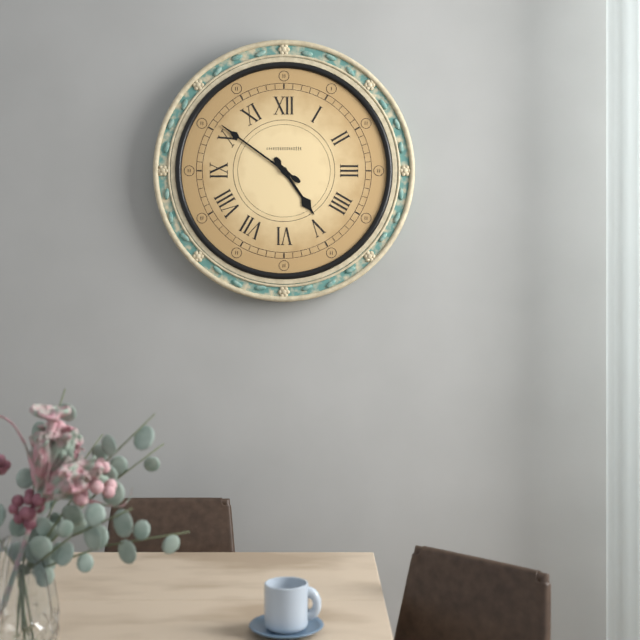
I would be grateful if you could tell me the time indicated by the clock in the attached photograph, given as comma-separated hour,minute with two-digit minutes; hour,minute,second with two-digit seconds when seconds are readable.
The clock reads 4,51
